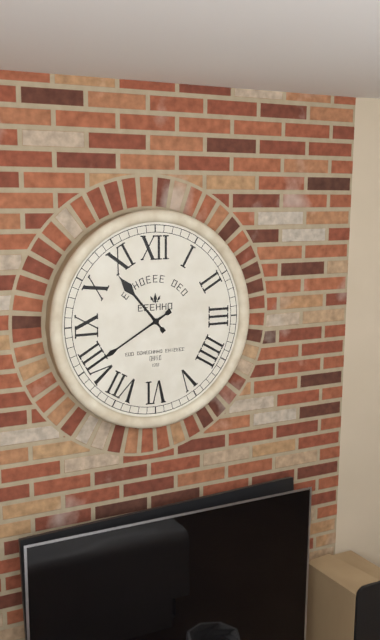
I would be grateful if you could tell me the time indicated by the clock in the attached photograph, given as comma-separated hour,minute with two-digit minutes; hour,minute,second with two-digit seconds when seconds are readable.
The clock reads 10,40
